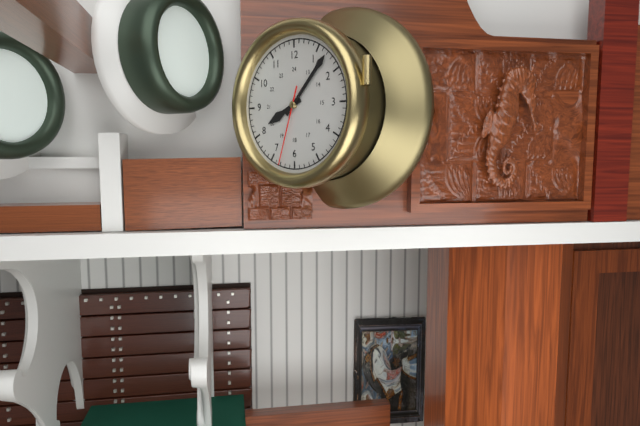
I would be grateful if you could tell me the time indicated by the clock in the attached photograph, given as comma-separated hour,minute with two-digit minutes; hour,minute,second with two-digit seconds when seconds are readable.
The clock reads 8,07,33
